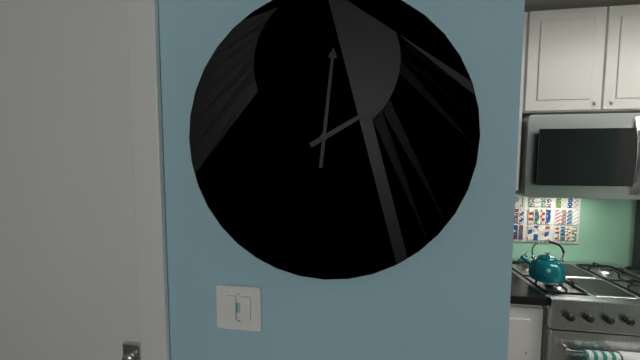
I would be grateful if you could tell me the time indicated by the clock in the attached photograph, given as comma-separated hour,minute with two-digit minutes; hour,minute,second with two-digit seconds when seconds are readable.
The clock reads 2,01
